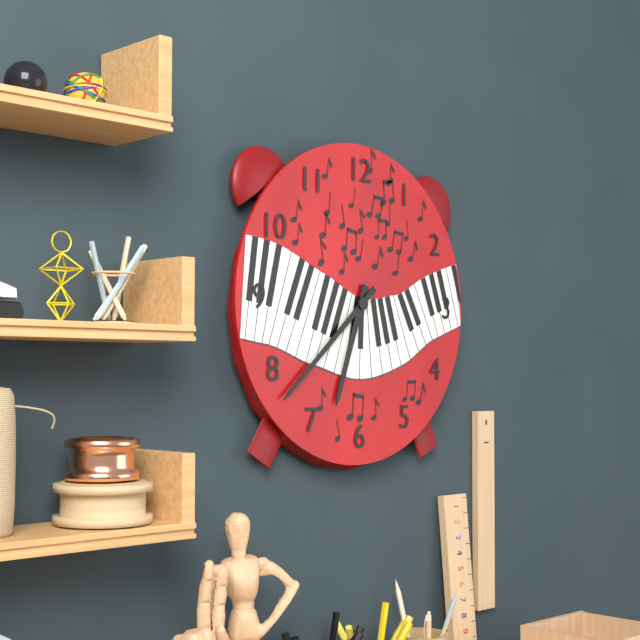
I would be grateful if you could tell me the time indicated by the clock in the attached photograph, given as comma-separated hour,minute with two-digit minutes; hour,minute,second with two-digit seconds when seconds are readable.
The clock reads 6,38
